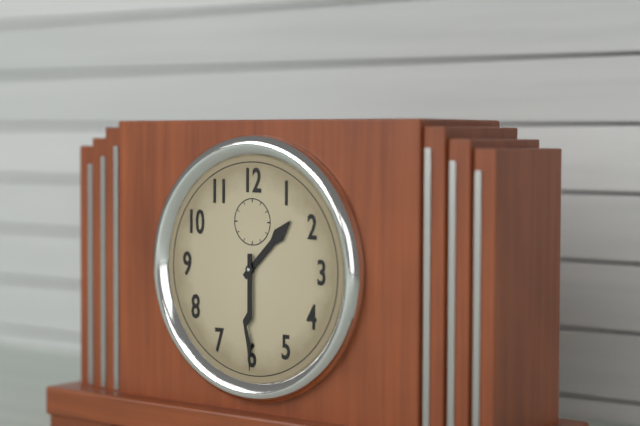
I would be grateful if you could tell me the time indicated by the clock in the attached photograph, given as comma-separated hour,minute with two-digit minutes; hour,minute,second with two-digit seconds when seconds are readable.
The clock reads 1,30
